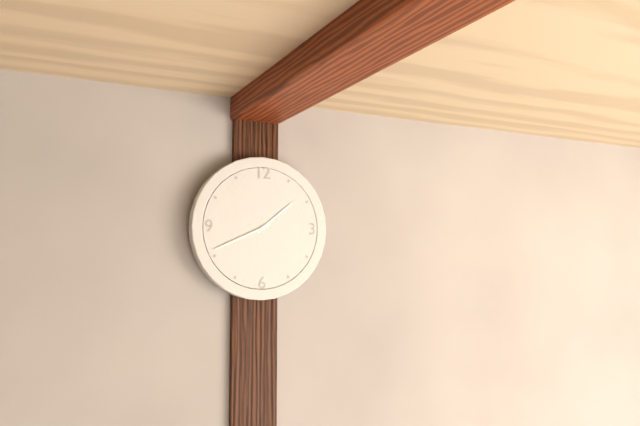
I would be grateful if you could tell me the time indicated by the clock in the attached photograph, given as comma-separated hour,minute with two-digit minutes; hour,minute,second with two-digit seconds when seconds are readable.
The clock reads 1,41
